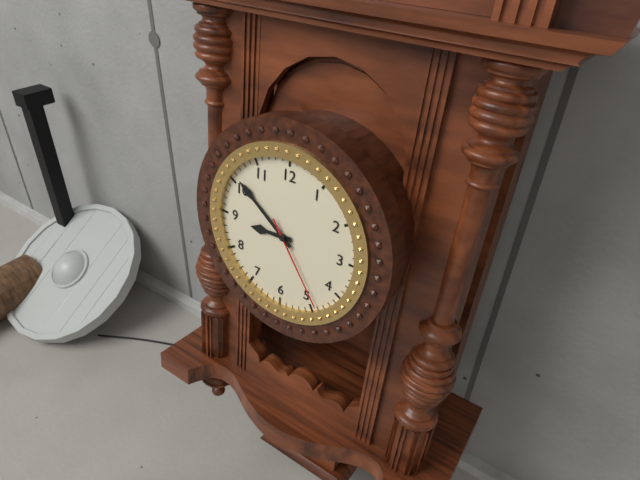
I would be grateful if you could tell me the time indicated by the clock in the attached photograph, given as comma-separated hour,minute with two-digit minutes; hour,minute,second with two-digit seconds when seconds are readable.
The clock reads 8,51,24
